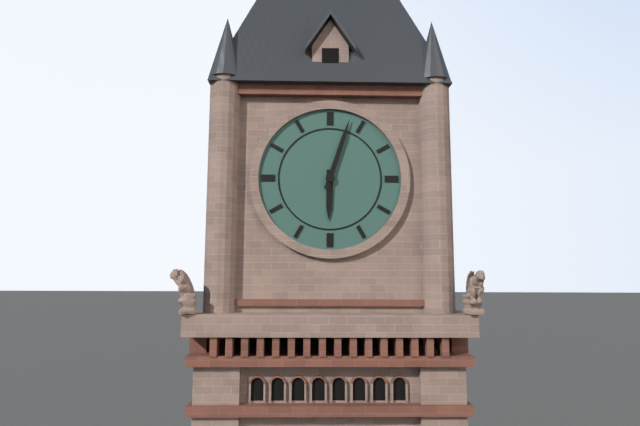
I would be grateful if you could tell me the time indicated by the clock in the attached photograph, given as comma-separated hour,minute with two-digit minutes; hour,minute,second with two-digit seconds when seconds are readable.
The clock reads 6,03
